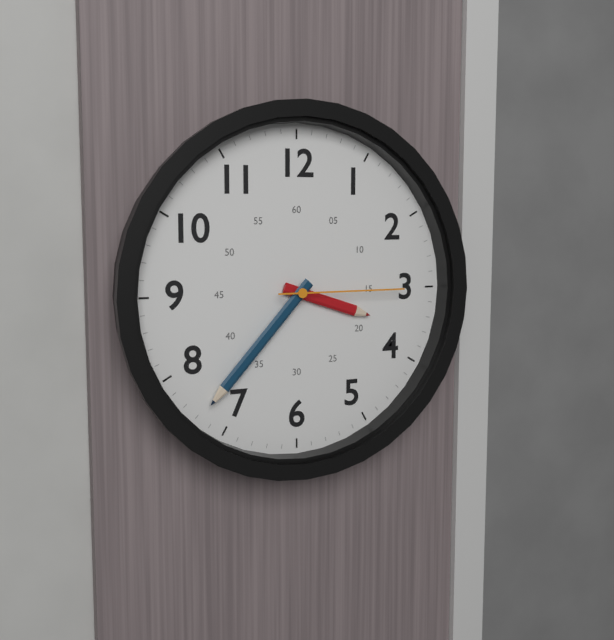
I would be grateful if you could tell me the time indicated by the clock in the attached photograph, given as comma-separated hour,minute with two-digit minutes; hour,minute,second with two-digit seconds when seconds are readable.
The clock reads 3,37,15
